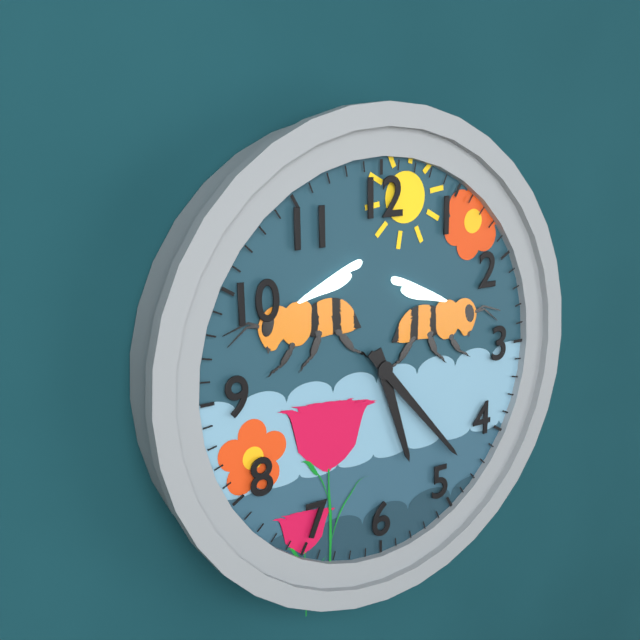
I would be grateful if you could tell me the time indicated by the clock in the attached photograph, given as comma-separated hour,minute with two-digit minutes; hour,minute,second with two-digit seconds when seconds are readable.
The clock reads 5,23
